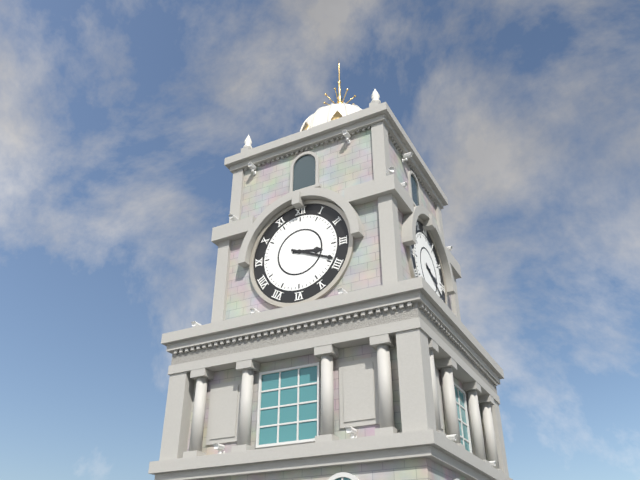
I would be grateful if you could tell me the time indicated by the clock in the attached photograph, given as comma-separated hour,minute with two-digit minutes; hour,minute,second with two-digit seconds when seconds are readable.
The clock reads 3,19
